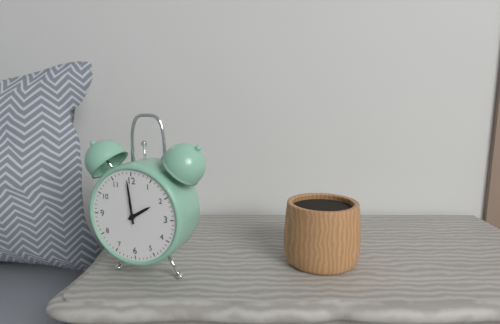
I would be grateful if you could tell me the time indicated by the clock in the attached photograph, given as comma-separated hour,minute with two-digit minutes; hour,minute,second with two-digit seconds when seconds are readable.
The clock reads 1,59
